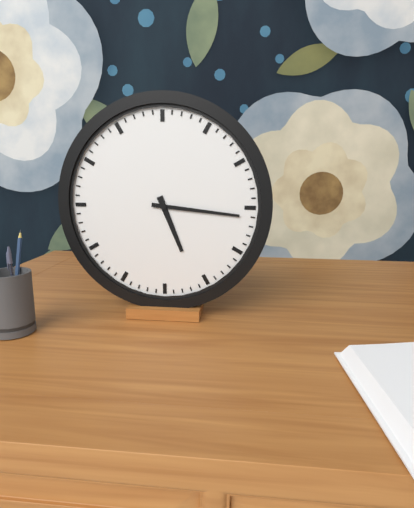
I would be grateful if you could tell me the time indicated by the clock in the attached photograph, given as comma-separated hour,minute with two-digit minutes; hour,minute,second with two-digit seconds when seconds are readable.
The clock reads 5,16
